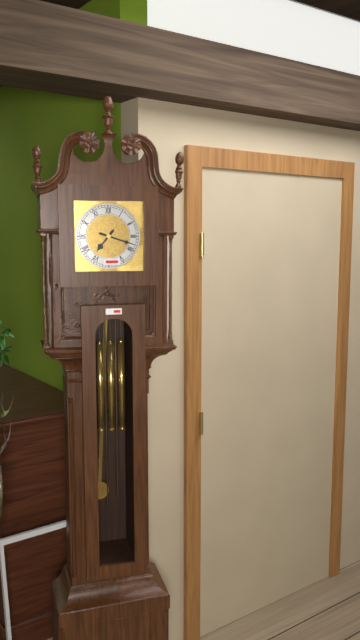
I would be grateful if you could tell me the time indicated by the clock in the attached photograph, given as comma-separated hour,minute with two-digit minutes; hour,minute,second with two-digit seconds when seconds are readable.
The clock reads 7,18
